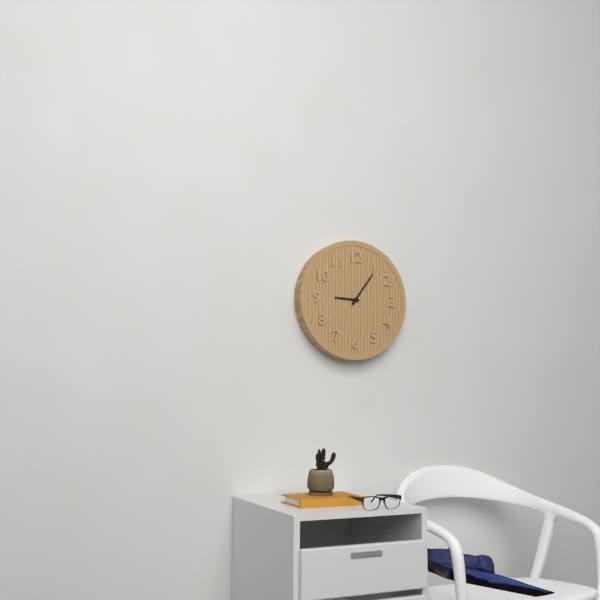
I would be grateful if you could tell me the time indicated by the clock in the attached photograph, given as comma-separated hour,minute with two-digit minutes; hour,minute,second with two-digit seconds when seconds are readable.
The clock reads 9,06
